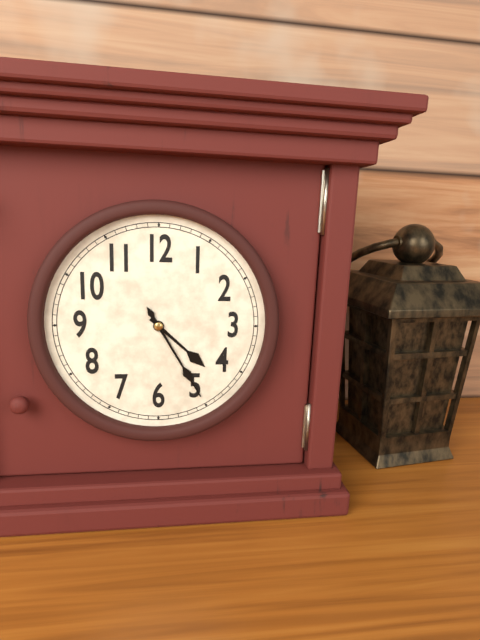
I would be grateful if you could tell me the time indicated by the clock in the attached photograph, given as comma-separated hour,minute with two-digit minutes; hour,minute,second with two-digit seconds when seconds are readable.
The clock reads 4,25
